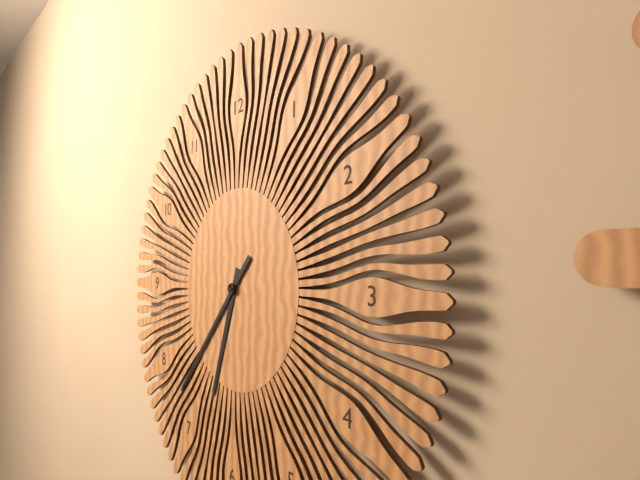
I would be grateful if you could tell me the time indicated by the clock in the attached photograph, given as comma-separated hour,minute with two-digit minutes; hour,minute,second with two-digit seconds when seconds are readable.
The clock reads 6,37
